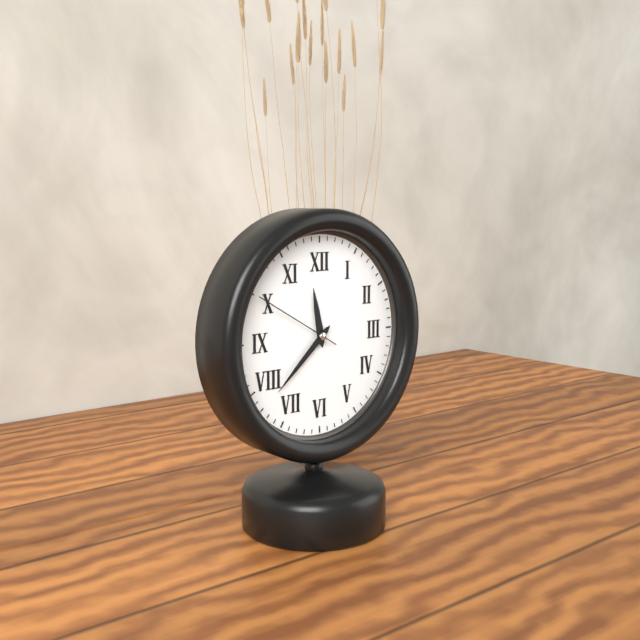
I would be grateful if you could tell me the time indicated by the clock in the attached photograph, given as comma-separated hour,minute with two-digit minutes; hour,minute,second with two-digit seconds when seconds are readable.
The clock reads 11,38,50
